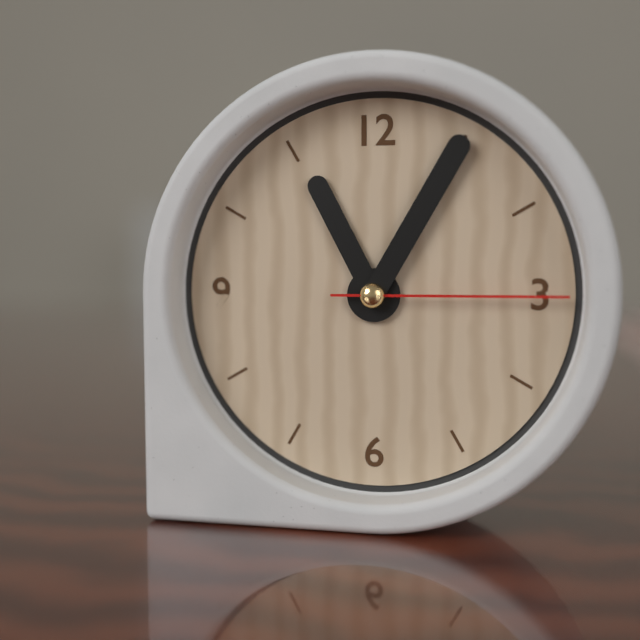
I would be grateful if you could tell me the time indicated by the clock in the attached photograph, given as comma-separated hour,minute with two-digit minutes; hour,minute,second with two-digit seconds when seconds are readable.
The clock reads 11,05,15
